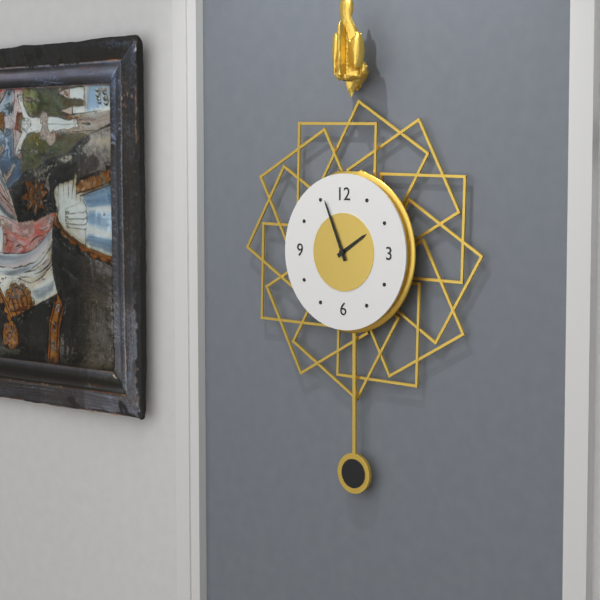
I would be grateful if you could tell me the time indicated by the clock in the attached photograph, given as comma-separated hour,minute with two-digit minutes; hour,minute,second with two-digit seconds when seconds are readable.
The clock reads 1,56
